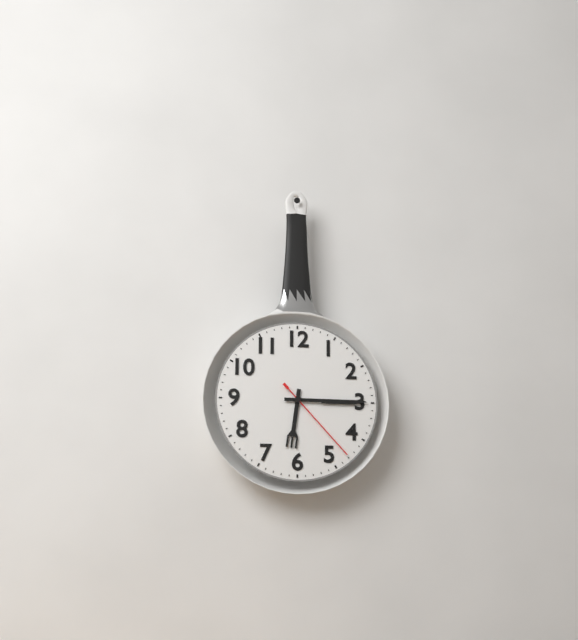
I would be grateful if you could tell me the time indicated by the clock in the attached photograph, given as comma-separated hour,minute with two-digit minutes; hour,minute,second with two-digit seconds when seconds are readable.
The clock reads 6,15,23
